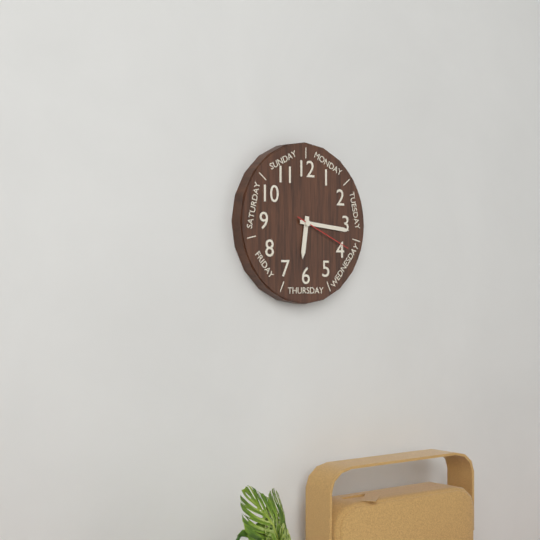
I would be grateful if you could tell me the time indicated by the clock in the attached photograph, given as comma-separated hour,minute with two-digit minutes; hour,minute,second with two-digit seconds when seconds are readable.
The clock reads 6,16,19
